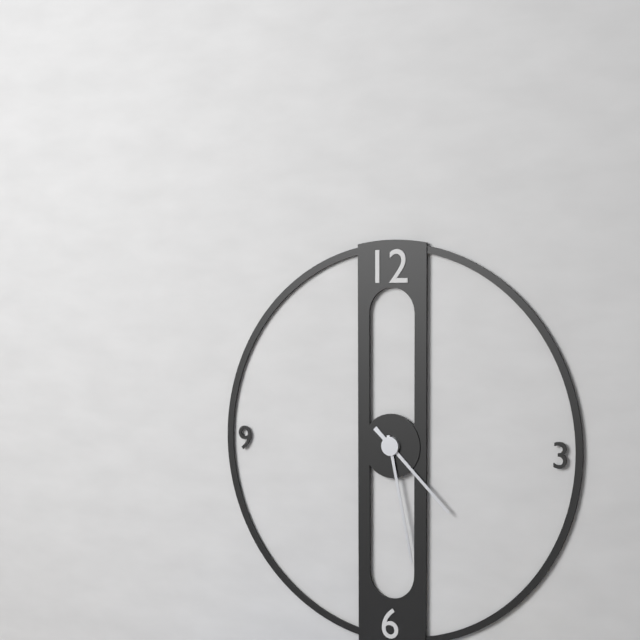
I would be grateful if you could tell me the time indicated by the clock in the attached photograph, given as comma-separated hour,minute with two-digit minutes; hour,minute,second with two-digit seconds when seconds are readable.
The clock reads 4,28
